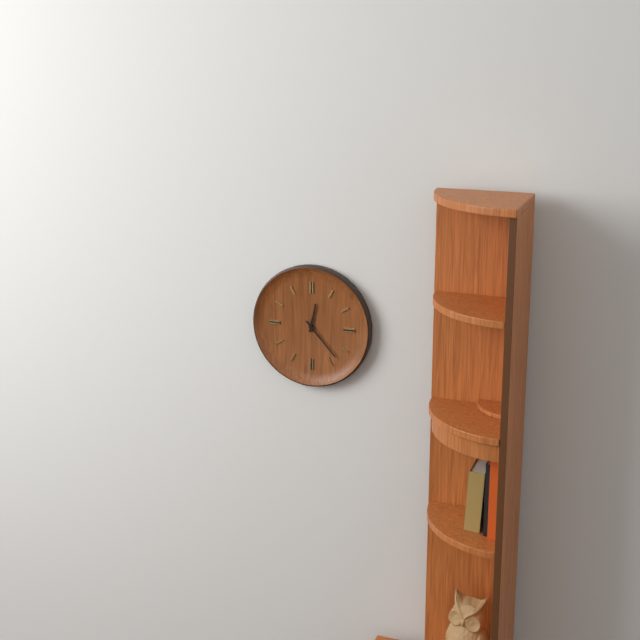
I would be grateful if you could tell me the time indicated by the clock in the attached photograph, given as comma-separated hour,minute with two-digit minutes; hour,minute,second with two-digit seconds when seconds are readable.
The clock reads 12,23
